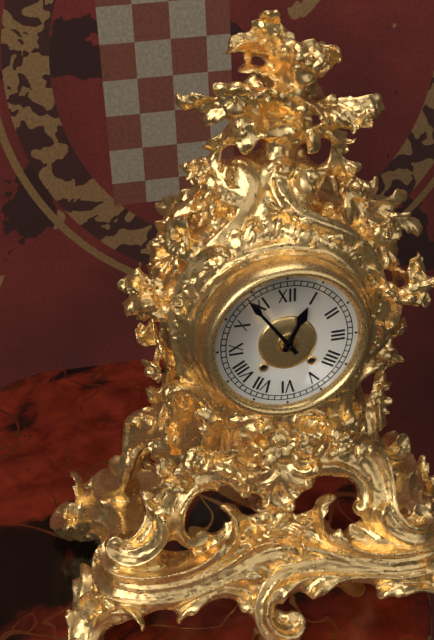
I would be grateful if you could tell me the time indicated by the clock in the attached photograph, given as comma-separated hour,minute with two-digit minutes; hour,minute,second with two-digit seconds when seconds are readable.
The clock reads 12,54
